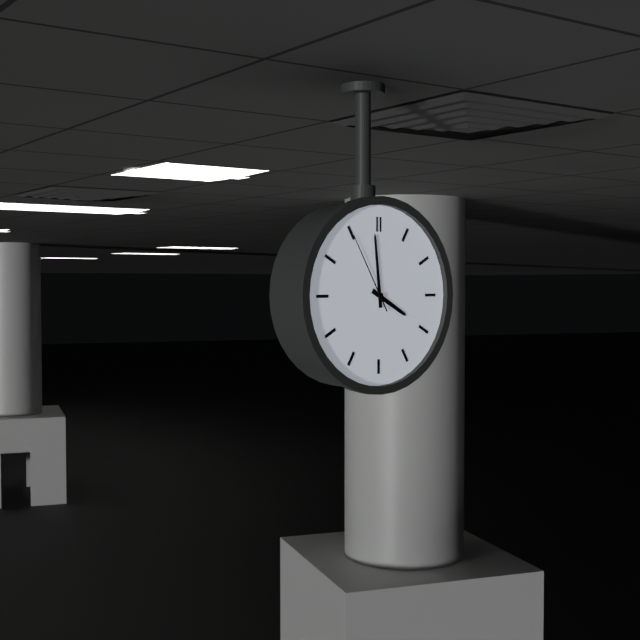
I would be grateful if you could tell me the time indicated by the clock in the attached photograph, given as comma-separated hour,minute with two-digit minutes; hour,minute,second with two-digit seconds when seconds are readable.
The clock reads 3,59,55
